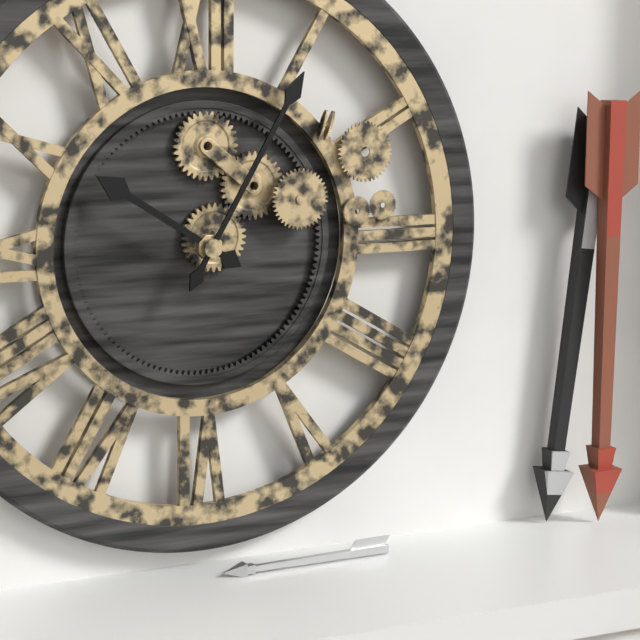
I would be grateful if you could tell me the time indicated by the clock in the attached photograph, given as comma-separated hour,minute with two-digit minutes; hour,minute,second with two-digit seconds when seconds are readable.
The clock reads 10,05
